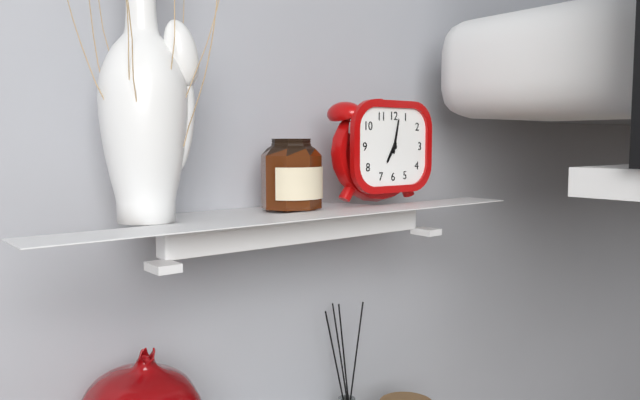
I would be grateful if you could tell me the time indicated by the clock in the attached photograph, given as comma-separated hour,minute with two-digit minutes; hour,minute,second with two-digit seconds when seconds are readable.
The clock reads 7,02
